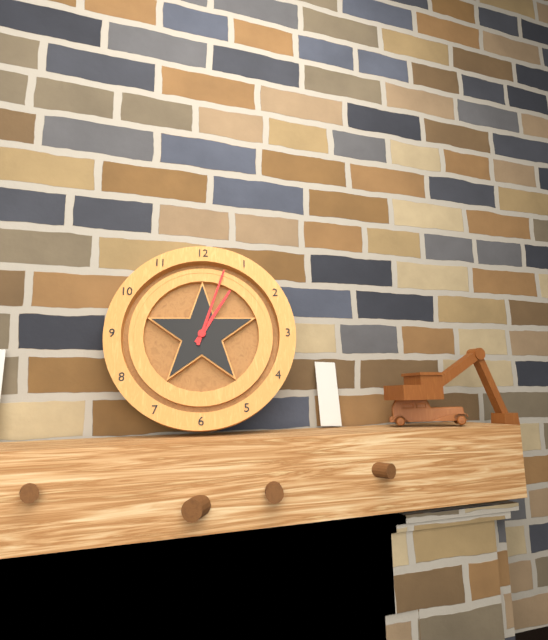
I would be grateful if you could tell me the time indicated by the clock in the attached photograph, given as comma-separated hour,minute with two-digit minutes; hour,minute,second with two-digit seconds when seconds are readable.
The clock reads 1,03
